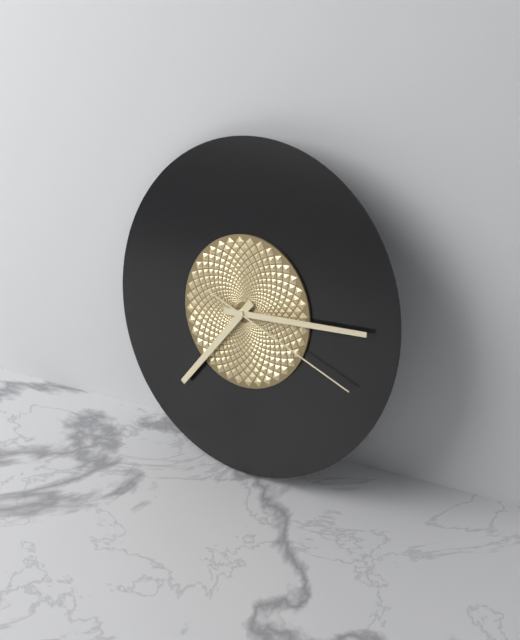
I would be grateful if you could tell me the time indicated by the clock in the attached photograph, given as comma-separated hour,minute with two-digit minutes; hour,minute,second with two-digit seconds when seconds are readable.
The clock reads 7,14,18
